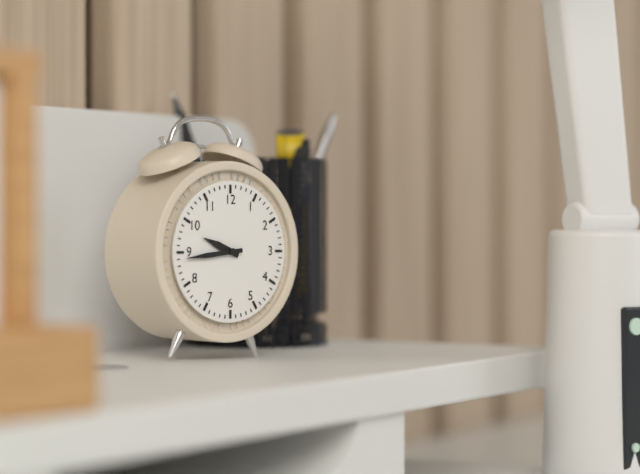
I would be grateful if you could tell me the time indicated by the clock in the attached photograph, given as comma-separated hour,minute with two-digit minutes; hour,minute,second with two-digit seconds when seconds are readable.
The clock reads 9,44
